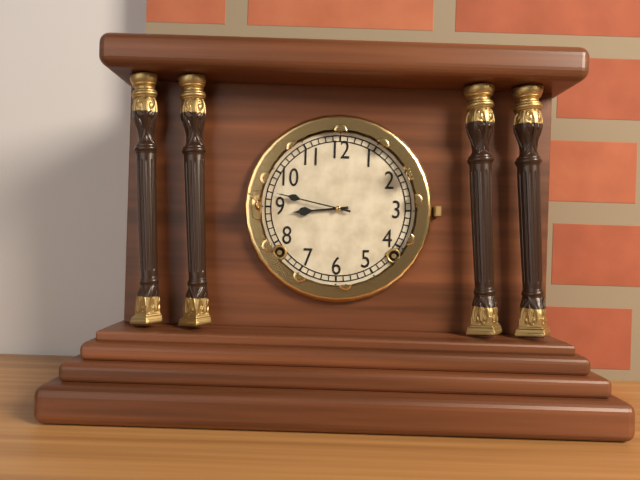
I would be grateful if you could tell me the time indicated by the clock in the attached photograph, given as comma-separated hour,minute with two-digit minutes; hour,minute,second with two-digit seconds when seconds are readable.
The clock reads 8,47
